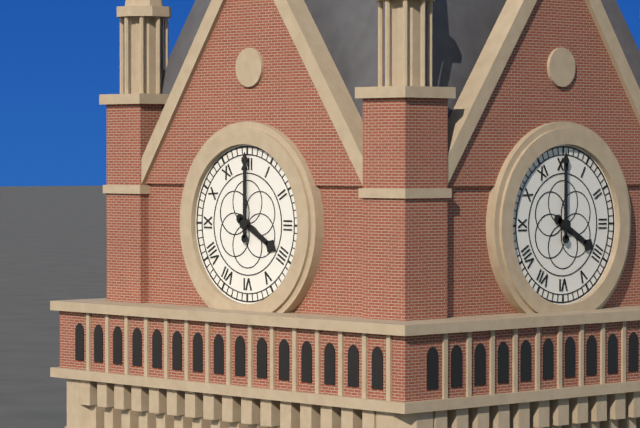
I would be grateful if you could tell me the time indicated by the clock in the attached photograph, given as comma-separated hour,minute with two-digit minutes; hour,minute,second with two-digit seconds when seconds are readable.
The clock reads 4,00
